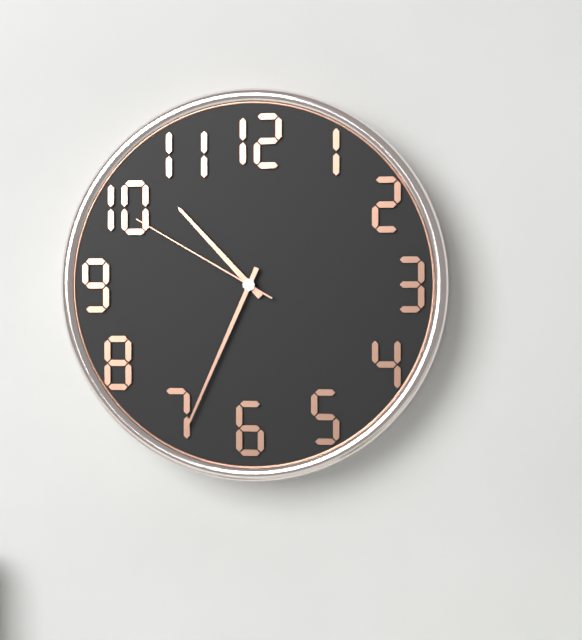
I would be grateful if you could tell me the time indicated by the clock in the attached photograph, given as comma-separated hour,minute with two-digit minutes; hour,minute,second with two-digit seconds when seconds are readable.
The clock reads 10,34,50
